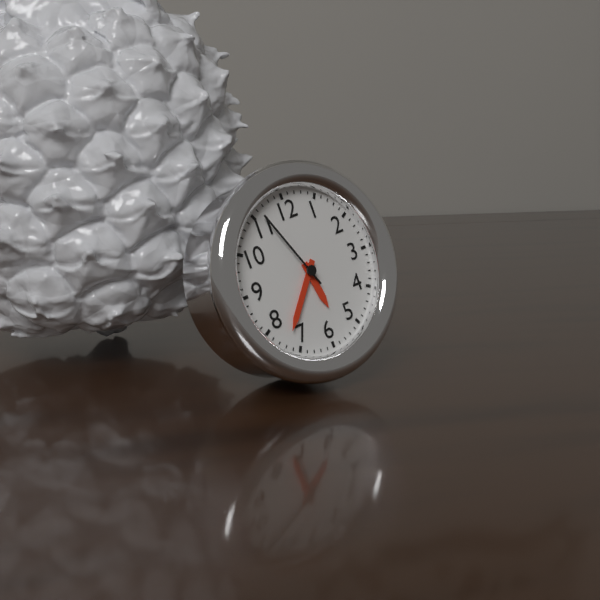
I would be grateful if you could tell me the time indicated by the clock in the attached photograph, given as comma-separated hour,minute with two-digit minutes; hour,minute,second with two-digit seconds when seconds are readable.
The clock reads 5,37,56
